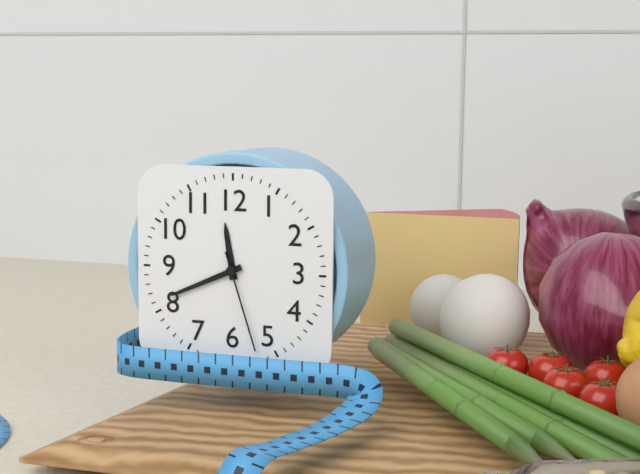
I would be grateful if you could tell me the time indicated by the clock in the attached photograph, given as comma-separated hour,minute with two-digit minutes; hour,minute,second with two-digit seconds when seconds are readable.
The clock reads 11,41,27
